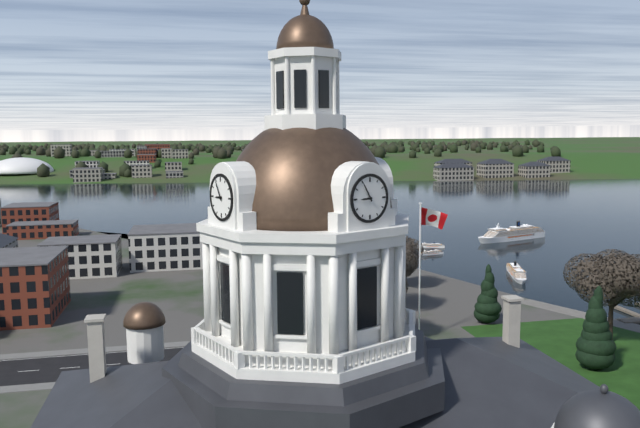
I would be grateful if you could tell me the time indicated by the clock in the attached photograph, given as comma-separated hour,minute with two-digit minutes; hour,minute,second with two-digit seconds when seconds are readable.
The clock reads 8,55
